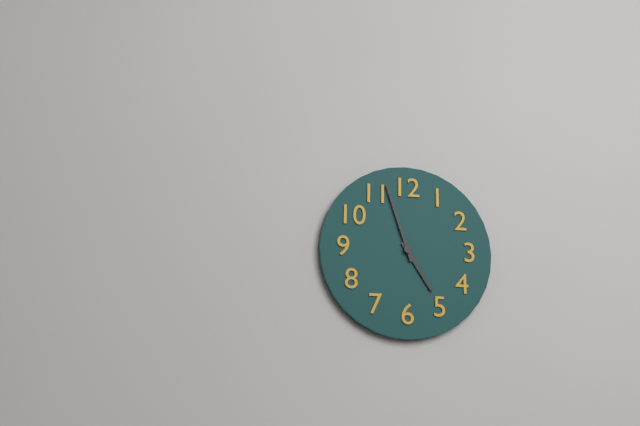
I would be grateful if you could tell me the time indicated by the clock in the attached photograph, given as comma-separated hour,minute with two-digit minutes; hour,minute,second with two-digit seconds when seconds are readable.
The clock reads 4,57
